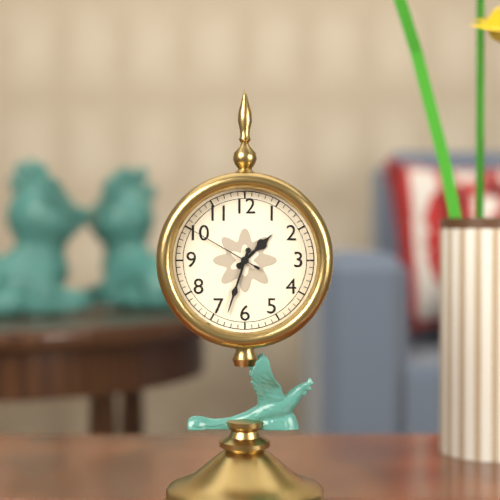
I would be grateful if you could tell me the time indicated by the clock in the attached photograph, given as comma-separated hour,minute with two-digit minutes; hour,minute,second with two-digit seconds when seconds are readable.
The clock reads 1,33,50
